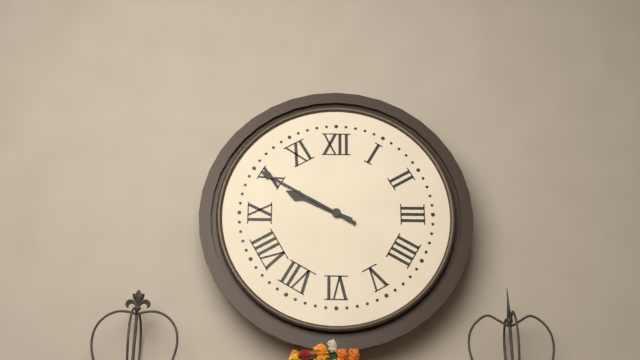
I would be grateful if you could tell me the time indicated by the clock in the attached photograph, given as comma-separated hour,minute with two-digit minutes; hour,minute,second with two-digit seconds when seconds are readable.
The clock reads 9,50
